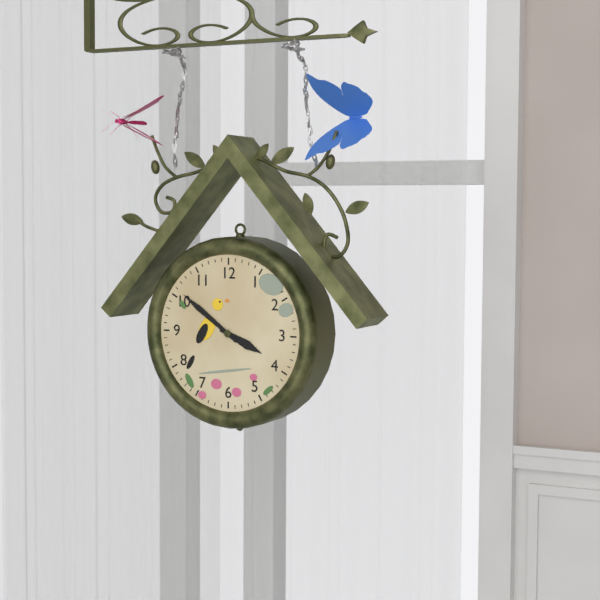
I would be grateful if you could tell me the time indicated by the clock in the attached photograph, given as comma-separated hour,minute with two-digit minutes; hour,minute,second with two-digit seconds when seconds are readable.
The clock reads 3,51
